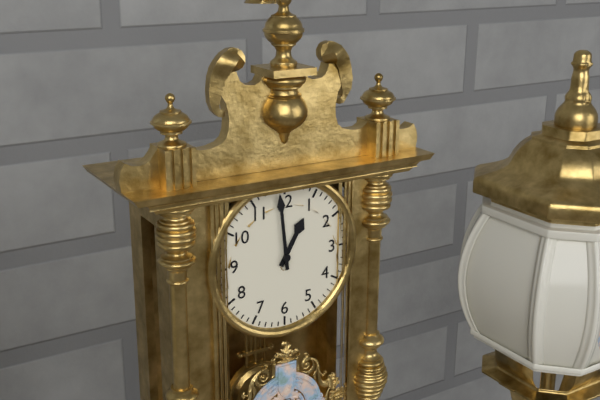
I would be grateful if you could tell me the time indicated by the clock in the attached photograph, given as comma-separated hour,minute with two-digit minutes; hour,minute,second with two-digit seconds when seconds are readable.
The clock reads 12,59
